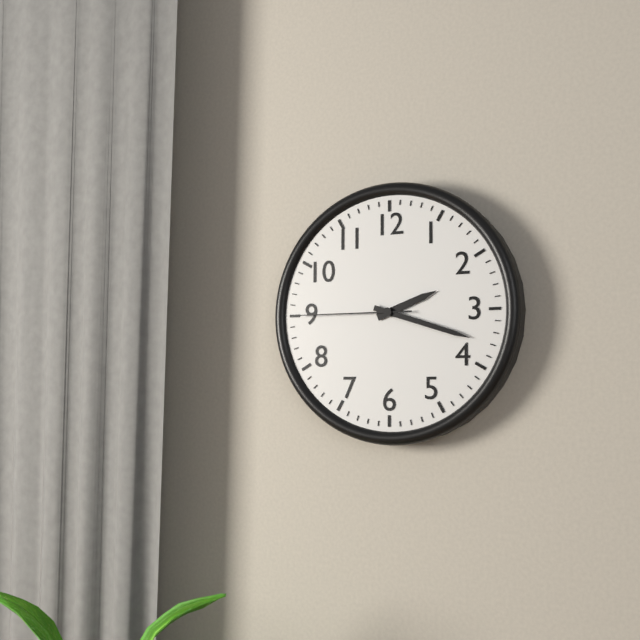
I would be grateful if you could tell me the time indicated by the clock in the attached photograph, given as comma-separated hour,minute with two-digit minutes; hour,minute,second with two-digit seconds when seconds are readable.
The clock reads 2,18,45
